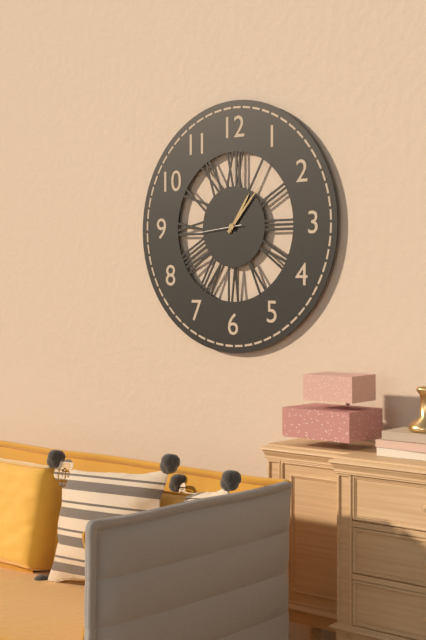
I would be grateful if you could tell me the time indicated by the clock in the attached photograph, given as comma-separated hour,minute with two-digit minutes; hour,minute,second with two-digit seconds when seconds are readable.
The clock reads 1,07
